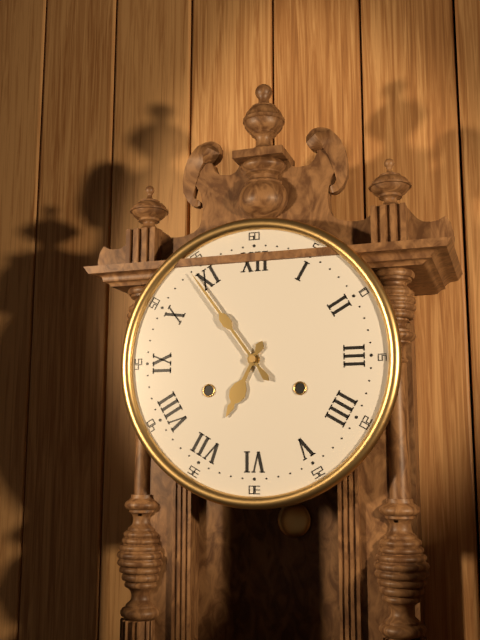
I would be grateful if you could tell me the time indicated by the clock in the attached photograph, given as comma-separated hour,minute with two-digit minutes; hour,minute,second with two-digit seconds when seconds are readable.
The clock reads 6,54
